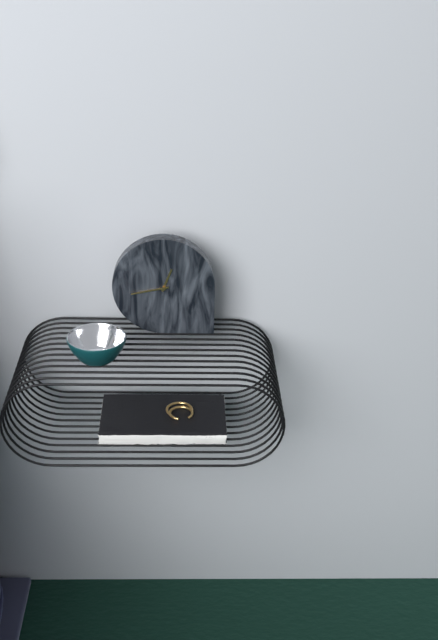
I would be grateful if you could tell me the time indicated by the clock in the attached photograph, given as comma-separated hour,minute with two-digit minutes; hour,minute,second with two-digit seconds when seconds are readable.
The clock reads 12,43
